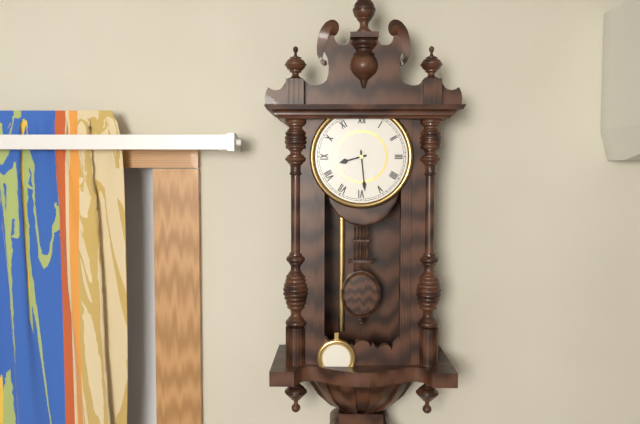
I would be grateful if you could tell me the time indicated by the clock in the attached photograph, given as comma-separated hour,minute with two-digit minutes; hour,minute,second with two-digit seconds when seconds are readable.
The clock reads 8,29
